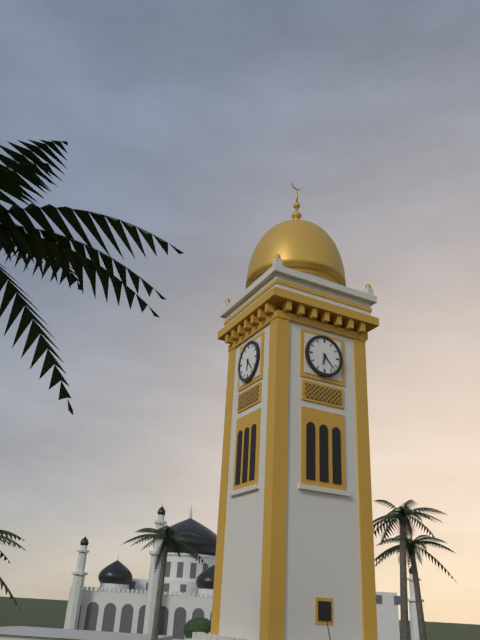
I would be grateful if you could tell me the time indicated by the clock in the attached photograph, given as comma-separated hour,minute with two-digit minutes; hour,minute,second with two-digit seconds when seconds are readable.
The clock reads 6,23
